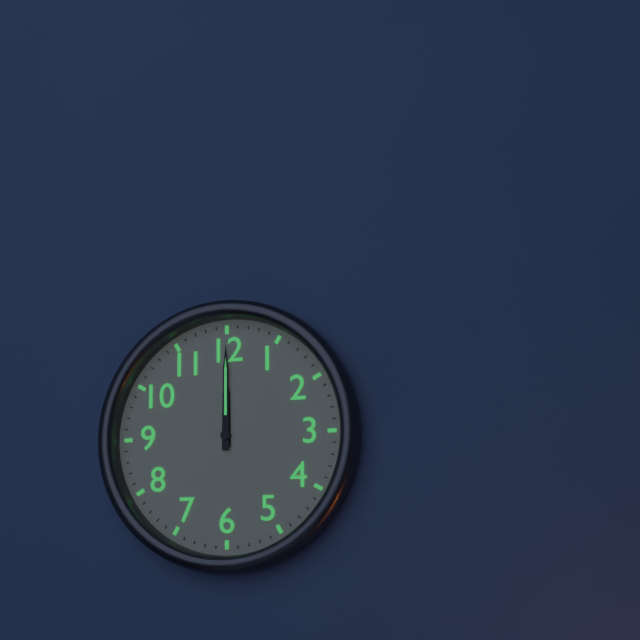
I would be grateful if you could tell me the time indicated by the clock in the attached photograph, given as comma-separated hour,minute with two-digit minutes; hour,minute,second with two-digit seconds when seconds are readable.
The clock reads 12,00
